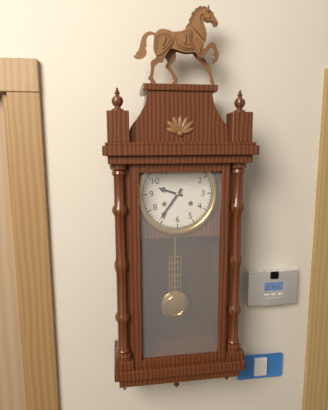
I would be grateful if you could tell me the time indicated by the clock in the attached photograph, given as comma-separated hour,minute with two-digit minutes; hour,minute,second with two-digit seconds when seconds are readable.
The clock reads 9,36
